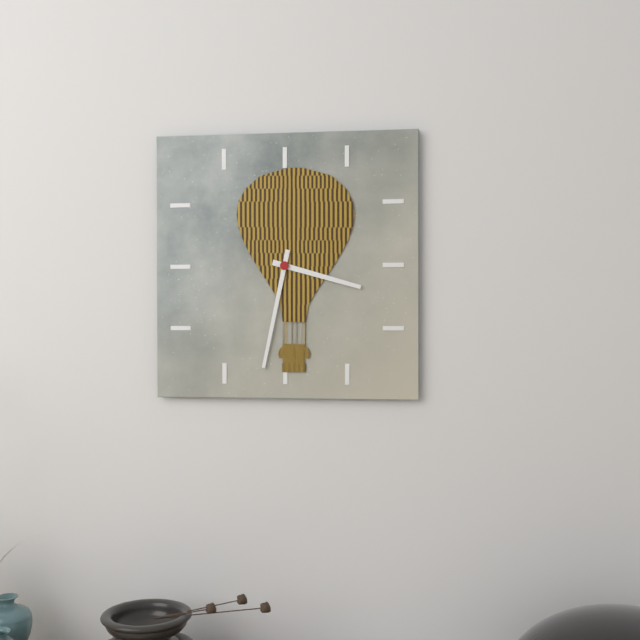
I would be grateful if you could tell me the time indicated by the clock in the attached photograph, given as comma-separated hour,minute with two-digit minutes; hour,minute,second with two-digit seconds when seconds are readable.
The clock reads 3,32
